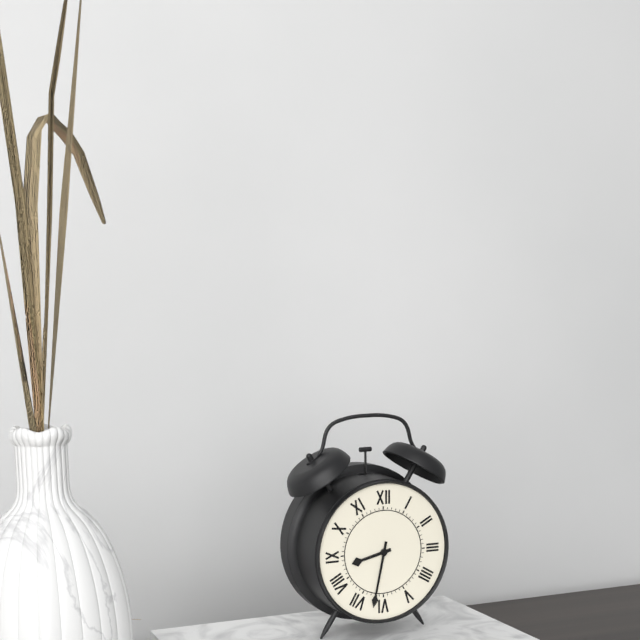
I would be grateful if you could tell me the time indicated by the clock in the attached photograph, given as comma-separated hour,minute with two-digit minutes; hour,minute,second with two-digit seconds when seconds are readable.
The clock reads 8,32
